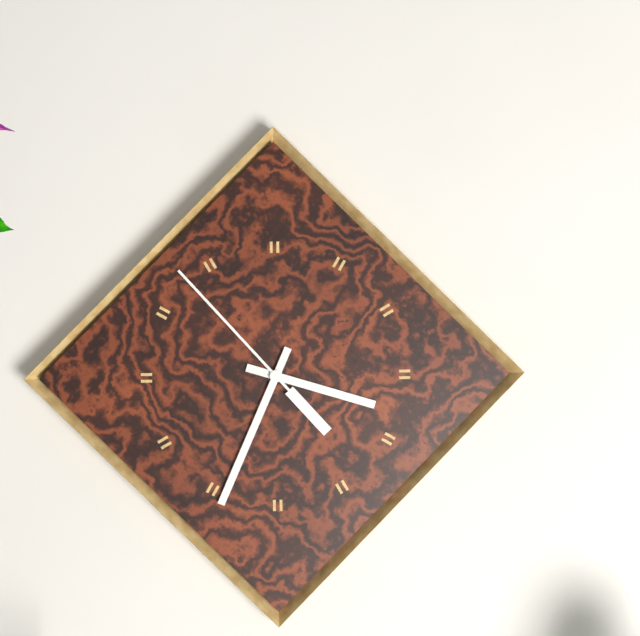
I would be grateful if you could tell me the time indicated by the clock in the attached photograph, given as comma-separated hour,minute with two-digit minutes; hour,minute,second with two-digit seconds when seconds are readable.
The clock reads 3,34,53
